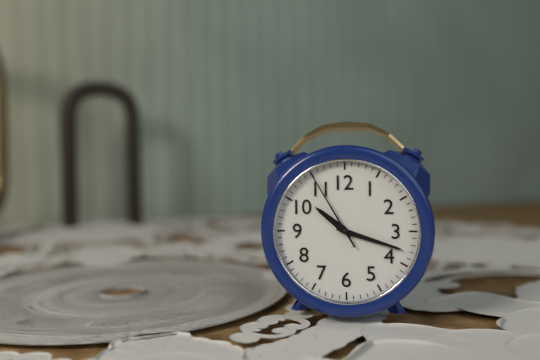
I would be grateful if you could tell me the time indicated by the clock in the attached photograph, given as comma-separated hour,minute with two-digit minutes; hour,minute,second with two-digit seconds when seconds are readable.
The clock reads 10,18,55
